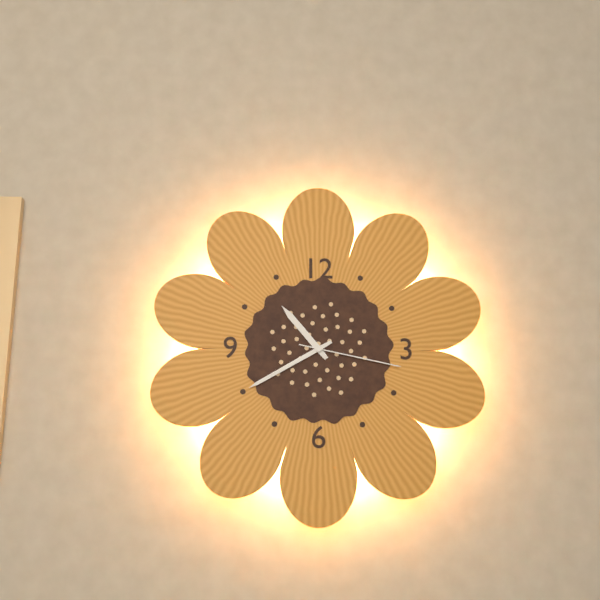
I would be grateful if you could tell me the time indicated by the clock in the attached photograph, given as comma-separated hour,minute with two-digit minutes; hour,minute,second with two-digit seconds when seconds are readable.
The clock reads 10,40,17
